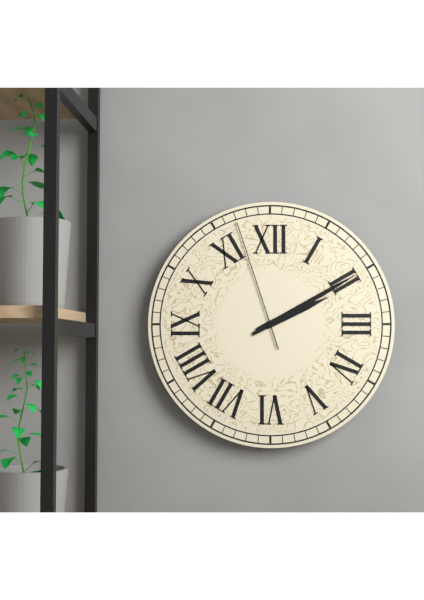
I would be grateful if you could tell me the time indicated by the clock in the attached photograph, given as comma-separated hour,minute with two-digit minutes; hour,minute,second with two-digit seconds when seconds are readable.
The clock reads 2,10,57
